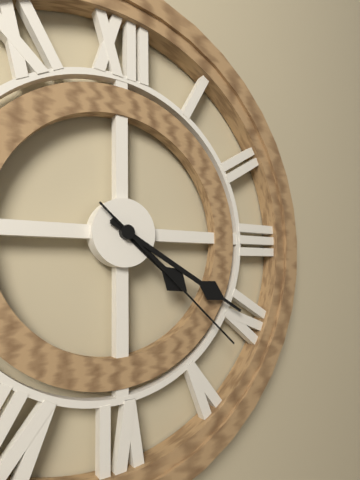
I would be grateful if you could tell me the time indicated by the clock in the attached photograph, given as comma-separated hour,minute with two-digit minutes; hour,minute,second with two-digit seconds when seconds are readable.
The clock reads 4,20,22
